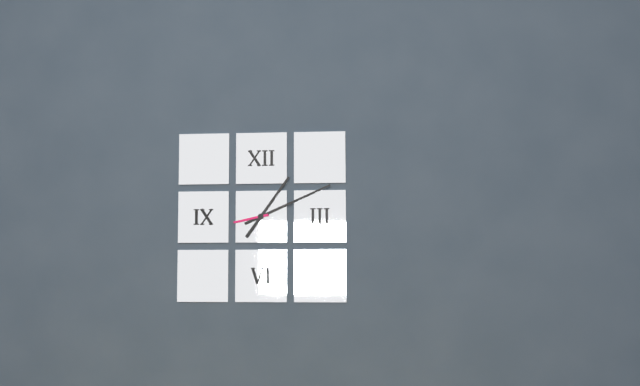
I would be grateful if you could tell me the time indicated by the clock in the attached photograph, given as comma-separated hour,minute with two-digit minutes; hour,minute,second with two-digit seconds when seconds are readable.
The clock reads 1,11
